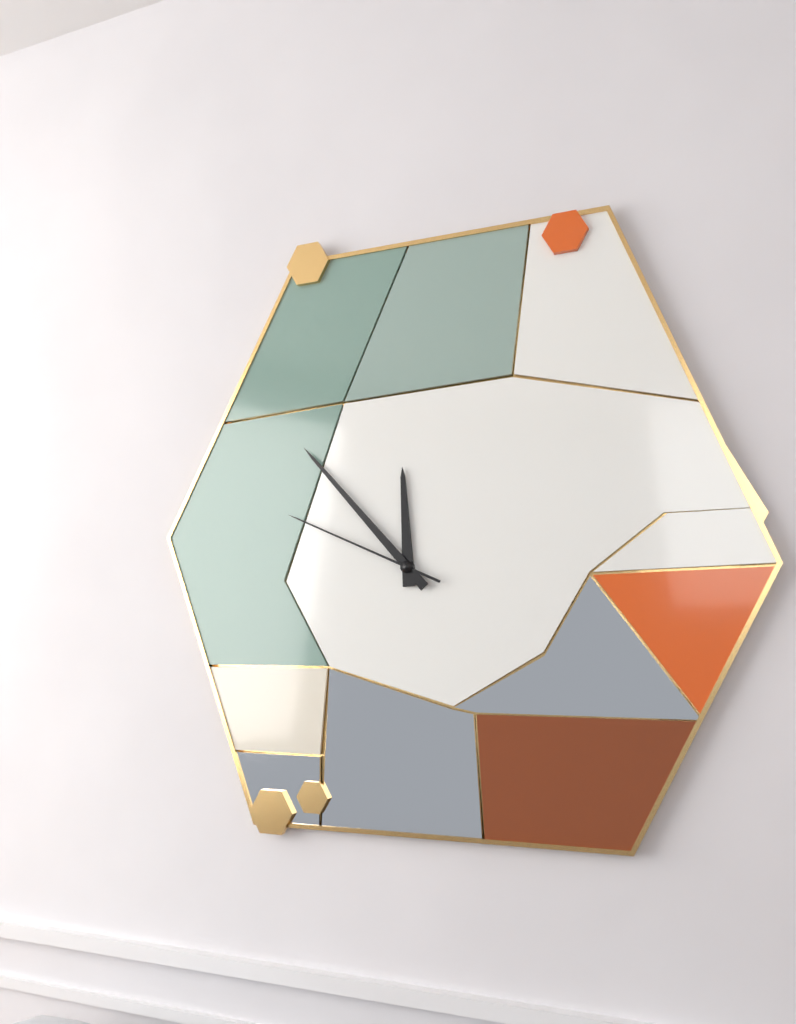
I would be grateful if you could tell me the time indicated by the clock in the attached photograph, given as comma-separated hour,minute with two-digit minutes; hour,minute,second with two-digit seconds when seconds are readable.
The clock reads 11,53,49
